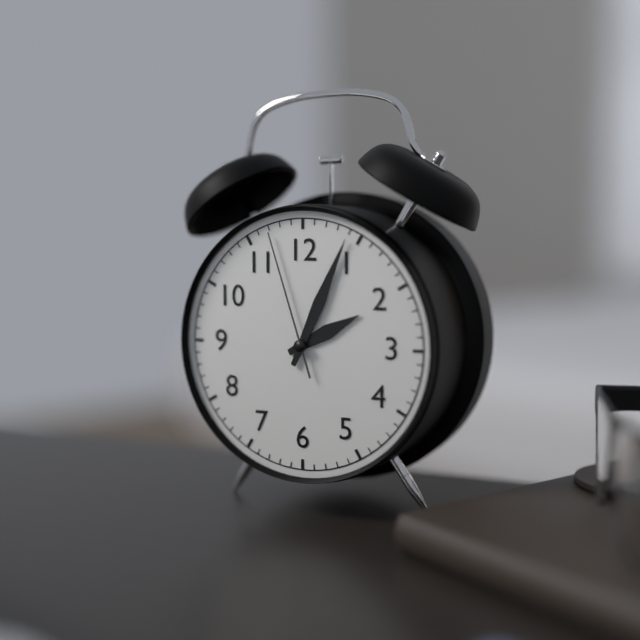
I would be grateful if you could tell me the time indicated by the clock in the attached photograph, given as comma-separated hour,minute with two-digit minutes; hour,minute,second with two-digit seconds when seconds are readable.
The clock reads 2,04,57
